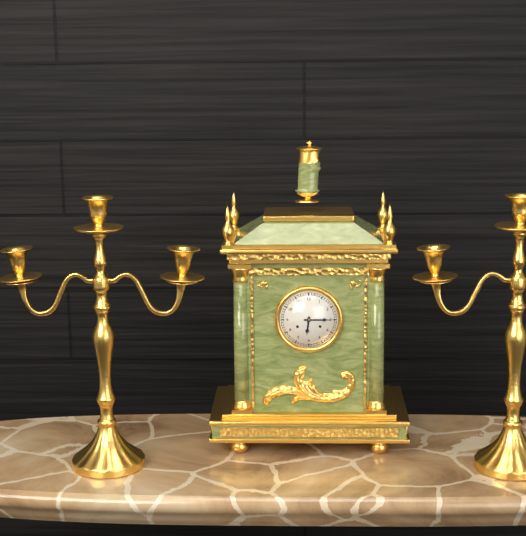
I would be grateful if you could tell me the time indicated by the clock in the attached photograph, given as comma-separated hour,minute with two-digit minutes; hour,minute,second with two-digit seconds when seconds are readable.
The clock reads 6,15
